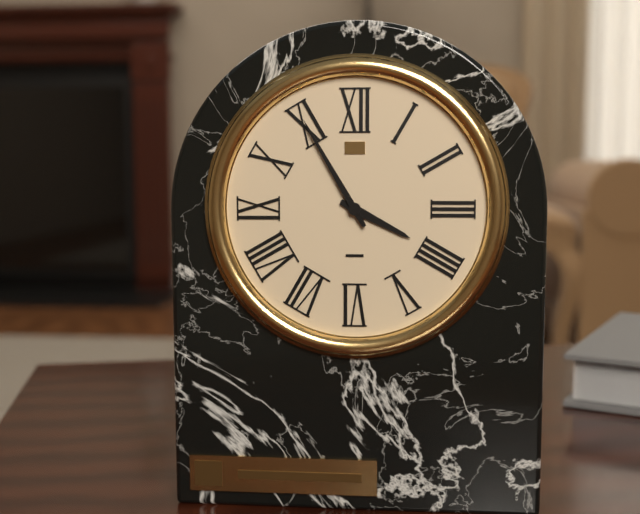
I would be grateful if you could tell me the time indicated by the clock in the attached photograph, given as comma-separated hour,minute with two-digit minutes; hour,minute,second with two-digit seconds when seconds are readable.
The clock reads 3,55
